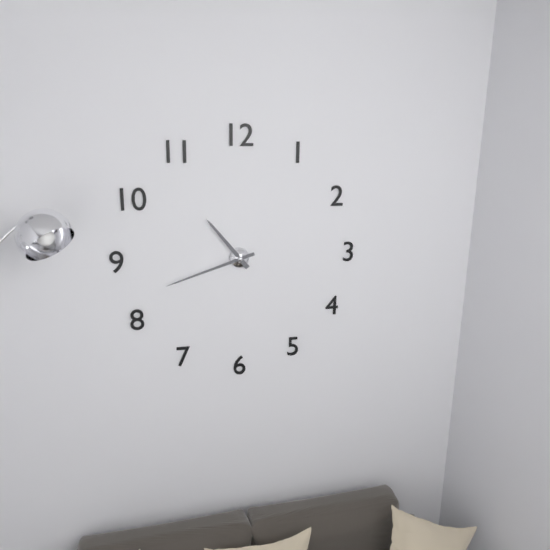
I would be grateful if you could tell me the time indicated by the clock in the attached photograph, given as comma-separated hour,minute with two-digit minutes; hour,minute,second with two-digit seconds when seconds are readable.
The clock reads 10,42
